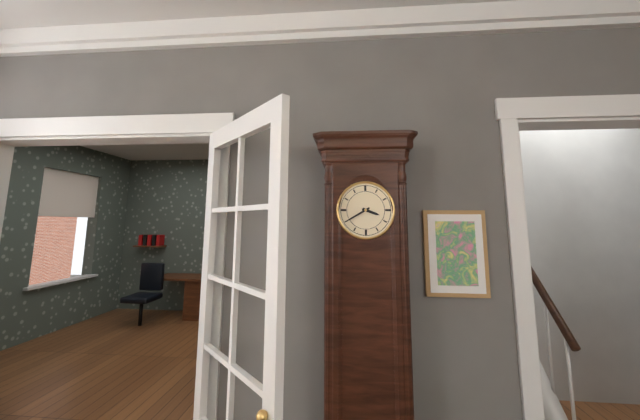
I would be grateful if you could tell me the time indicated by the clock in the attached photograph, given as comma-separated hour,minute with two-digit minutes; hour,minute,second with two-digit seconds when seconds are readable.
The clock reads 3,40
